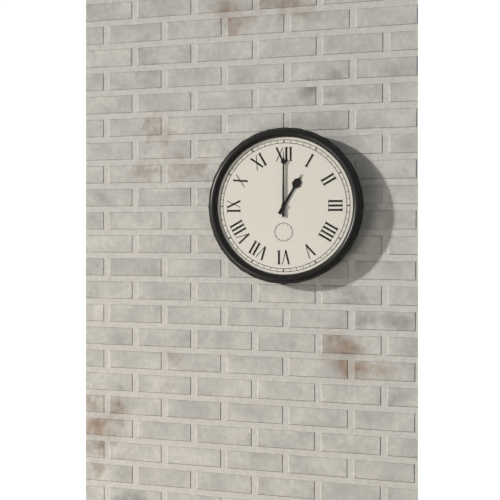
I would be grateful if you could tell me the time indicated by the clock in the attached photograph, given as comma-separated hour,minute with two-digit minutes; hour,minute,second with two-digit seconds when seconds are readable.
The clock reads 1,00
